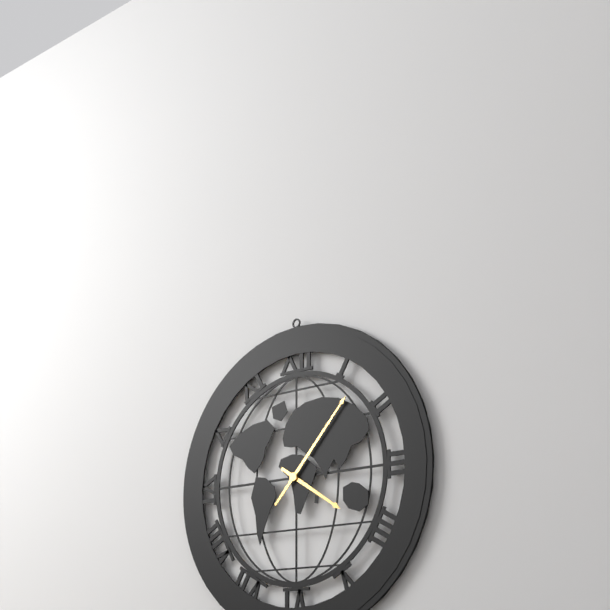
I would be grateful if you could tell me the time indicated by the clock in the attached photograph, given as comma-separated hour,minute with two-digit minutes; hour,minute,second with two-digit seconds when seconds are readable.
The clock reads 4,07
